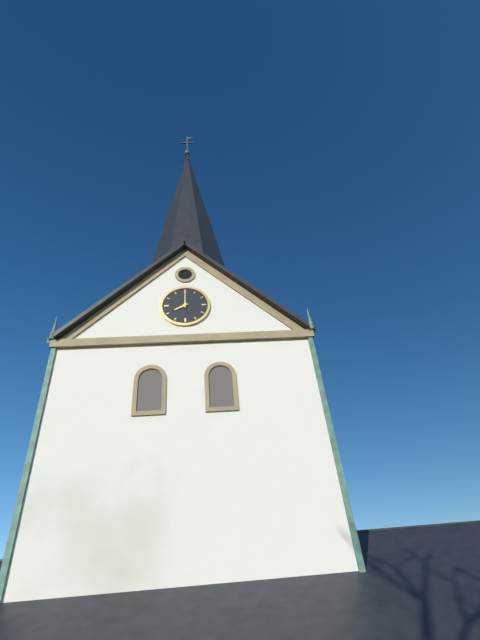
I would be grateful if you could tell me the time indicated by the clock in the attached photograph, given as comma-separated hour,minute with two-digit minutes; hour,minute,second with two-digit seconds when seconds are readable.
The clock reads 8,00
